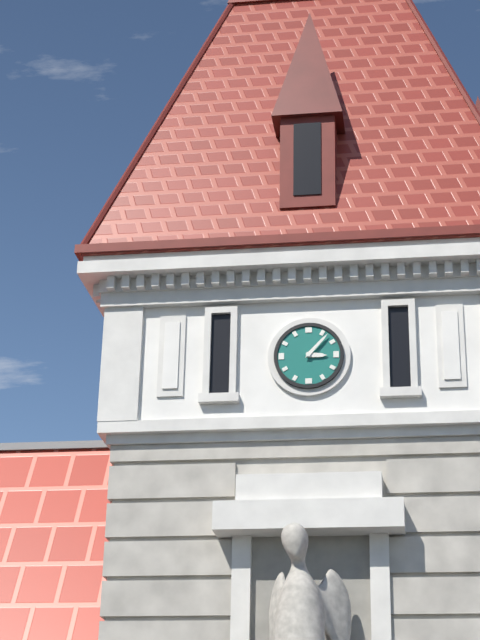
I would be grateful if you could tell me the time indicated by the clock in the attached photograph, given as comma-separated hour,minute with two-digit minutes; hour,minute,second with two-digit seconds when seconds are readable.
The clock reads 3,07
